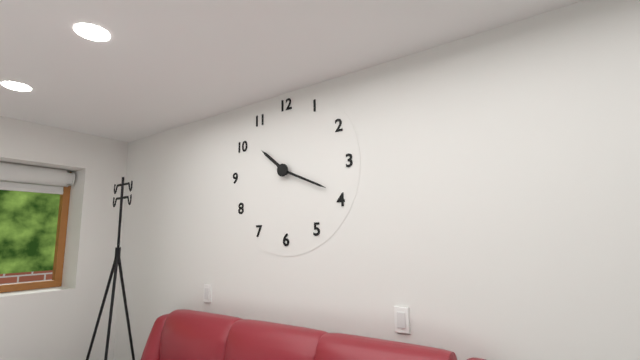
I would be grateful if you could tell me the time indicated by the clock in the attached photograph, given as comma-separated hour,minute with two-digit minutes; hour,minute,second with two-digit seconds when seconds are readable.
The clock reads 10,19
